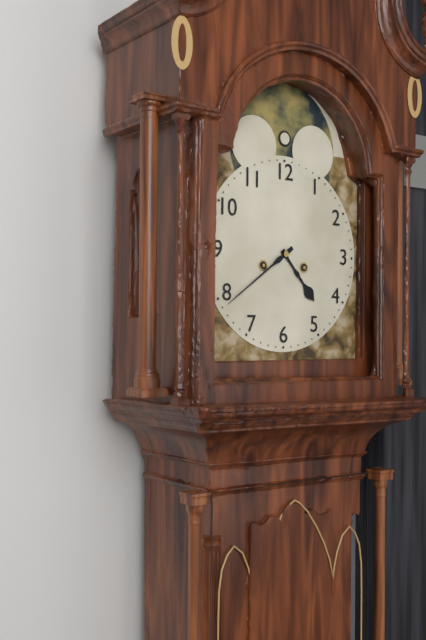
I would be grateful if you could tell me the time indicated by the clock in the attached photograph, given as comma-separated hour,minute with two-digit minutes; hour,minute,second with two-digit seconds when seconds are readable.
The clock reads 4,39
